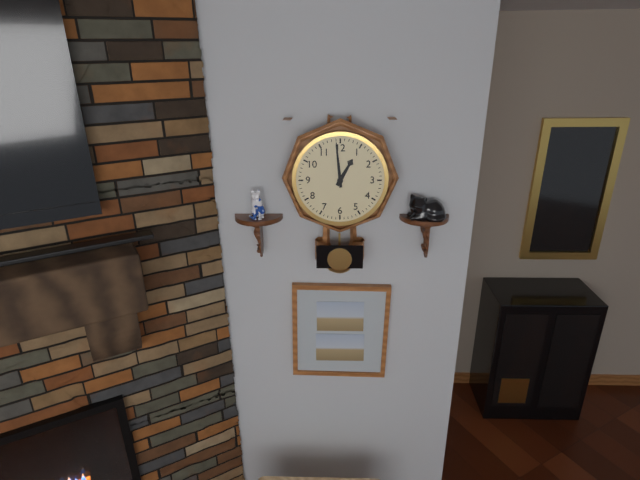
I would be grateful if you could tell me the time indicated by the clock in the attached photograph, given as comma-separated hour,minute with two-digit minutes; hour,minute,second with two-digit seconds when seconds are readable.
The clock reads 12,59
